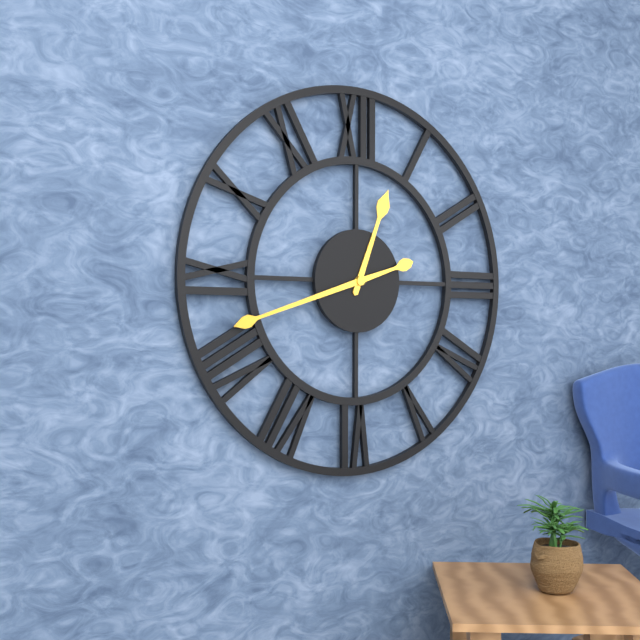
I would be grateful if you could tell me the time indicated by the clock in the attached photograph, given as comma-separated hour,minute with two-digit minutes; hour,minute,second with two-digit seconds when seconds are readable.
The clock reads 12,42
